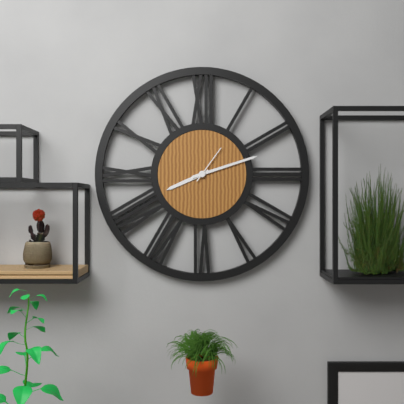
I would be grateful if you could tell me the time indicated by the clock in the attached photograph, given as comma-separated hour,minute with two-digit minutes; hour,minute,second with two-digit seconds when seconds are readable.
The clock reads 8,12
